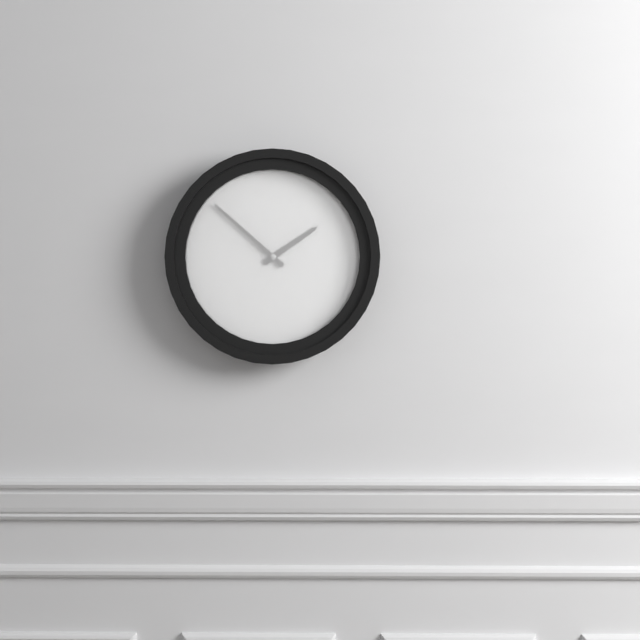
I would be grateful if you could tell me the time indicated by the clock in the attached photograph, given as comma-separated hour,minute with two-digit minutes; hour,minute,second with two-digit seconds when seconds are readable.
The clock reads 1,52
